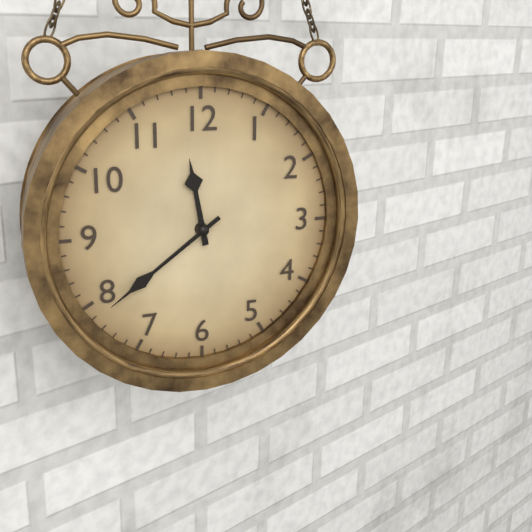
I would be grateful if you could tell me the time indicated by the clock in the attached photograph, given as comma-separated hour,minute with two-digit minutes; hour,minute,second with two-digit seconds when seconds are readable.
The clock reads 11,39
